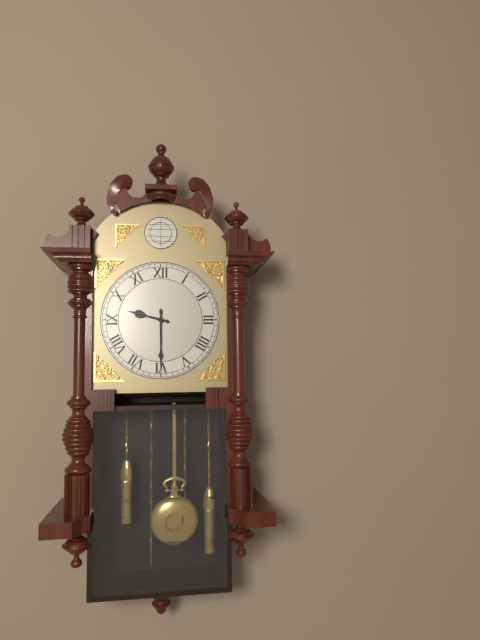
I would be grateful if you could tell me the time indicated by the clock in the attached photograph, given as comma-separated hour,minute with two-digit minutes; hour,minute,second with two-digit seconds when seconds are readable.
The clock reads 9,30
